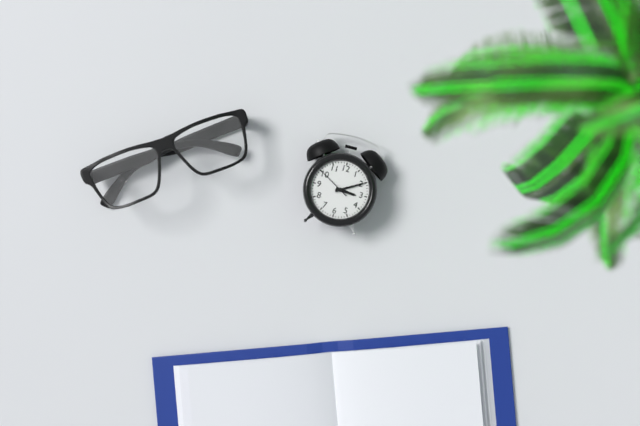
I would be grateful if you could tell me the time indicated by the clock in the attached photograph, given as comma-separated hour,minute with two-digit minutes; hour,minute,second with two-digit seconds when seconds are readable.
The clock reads 3,10
